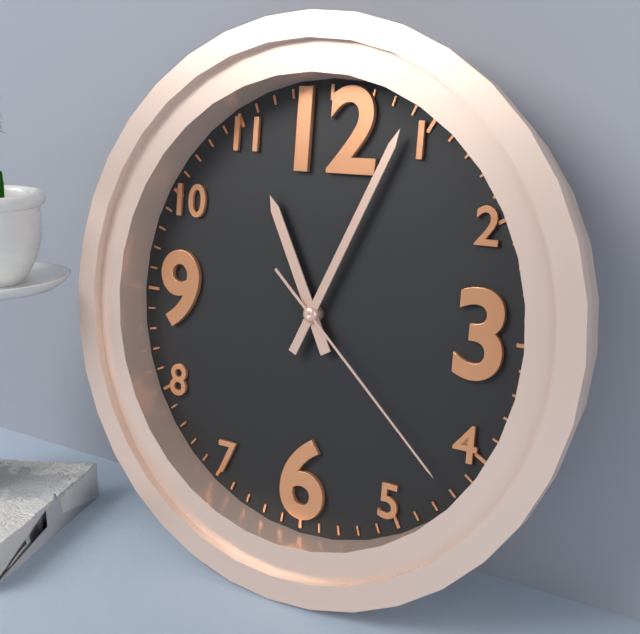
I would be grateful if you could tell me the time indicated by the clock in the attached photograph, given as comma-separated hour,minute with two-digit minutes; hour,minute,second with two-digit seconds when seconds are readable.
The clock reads 11,04,22
